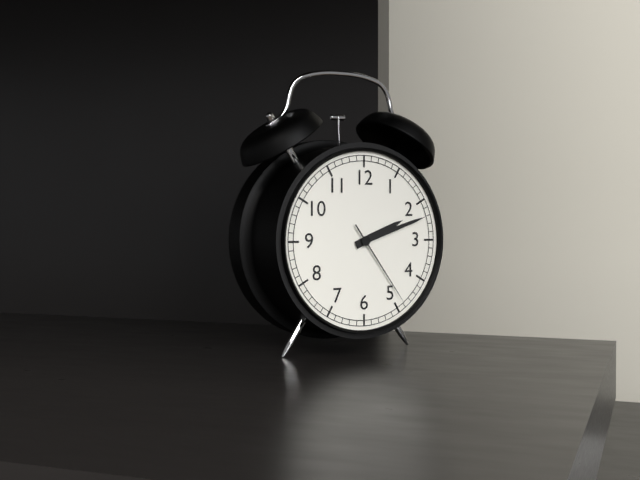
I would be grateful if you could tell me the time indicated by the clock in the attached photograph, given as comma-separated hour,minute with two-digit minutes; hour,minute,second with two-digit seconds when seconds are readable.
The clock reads 2,12,24
